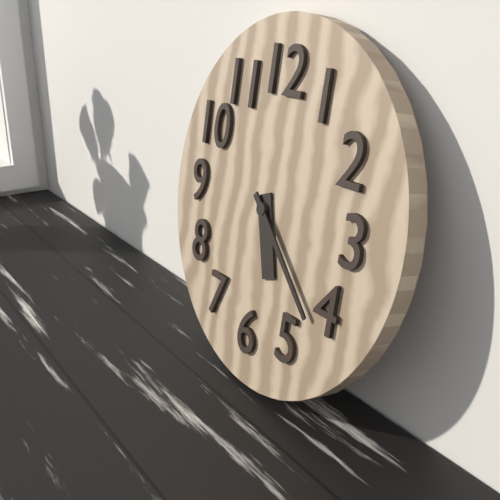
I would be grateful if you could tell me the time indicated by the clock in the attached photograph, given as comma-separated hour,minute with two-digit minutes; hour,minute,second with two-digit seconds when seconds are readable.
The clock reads 5,22
